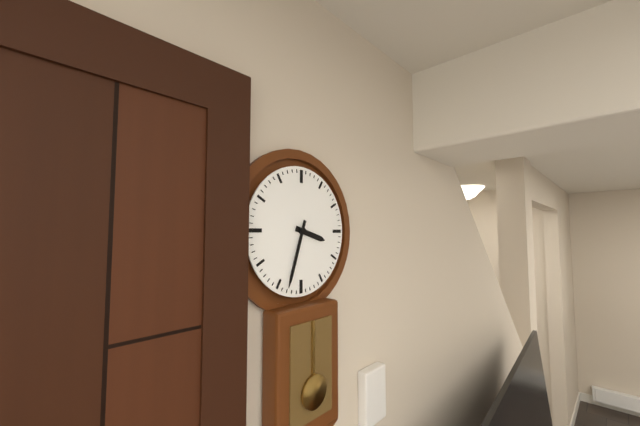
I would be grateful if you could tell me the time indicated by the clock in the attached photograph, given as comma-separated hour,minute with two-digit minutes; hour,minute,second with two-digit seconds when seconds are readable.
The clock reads 3,33
